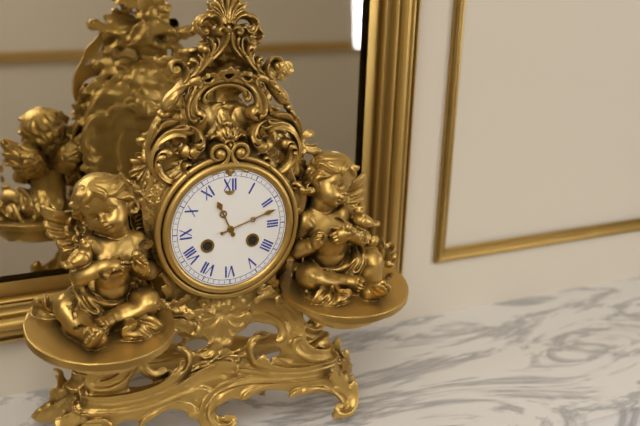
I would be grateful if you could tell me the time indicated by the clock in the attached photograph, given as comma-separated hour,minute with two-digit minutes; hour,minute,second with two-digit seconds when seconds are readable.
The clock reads 11,12
